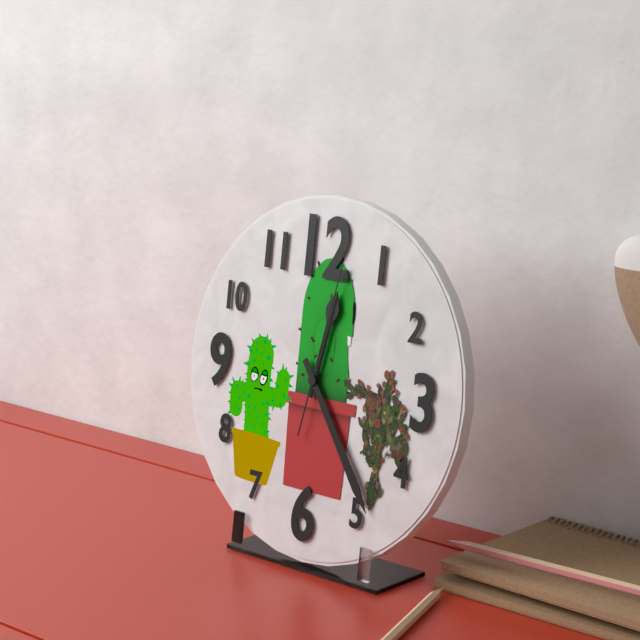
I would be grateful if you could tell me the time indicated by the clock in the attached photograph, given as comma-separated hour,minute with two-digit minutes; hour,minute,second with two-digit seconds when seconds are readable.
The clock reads 12,24,02
